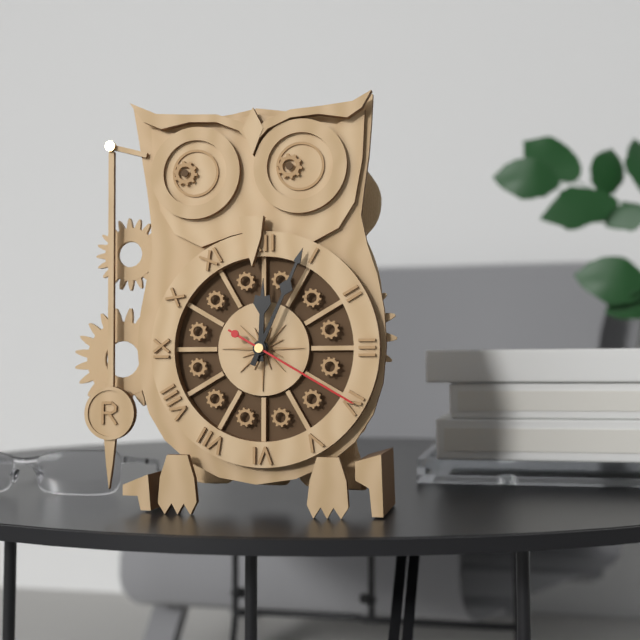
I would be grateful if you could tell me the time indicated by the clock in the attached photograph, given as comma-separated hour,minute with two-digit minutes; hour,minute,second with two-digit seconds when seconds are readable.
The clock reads 12,04,20
